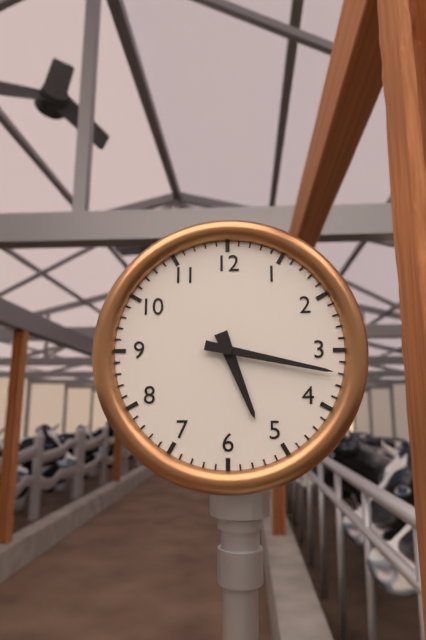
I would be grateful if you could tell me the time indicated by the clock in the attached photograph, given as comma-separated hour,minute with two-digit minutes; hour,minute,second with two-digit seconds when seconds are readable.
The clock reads 5,17
